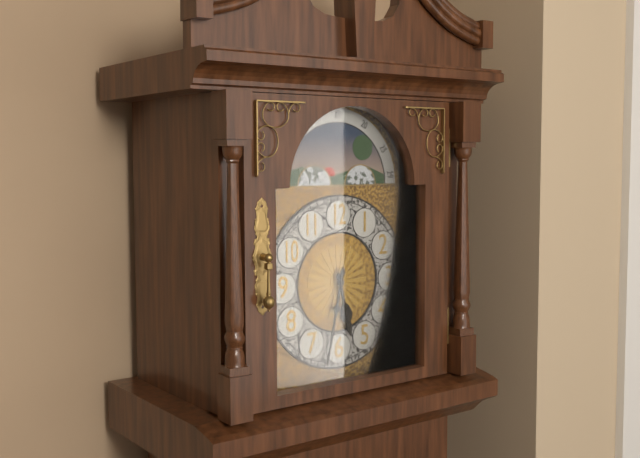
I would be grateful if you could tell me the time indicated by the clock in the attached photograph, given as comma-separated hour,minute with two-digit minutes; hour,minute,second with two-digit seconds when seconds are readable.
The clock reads 5,32
